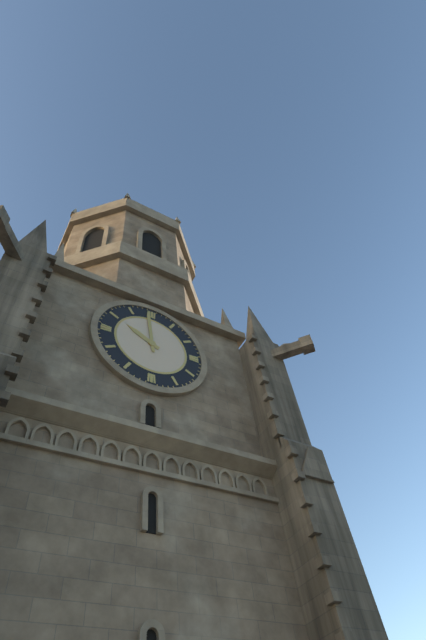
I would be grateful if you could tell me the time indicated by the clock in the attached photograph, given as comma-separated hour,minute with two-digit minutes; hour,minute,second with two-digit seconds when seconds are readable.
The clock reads 9,59
